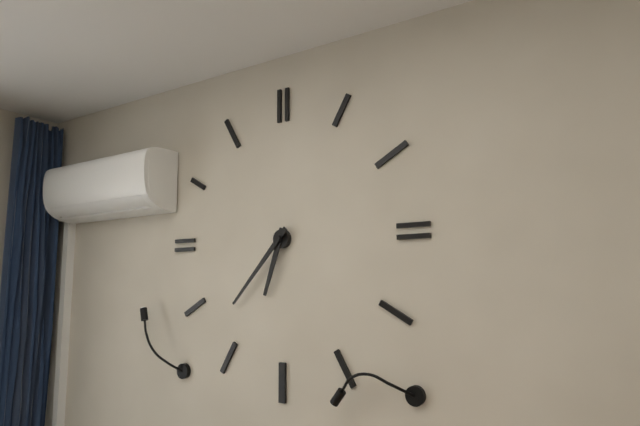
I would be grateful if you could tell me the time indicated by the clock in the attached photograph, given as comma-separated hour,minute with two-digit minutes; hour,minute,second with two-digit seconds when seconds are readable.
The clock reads 6,37
